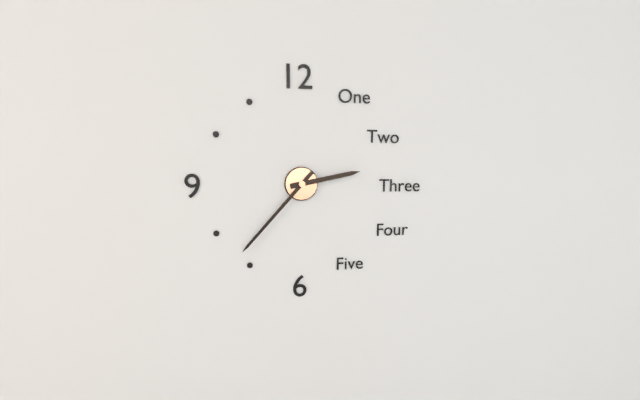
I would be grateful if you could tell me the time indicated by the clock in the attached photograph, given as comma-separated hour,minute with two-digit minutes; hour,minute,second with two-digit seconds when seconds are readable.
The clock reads 2,37
